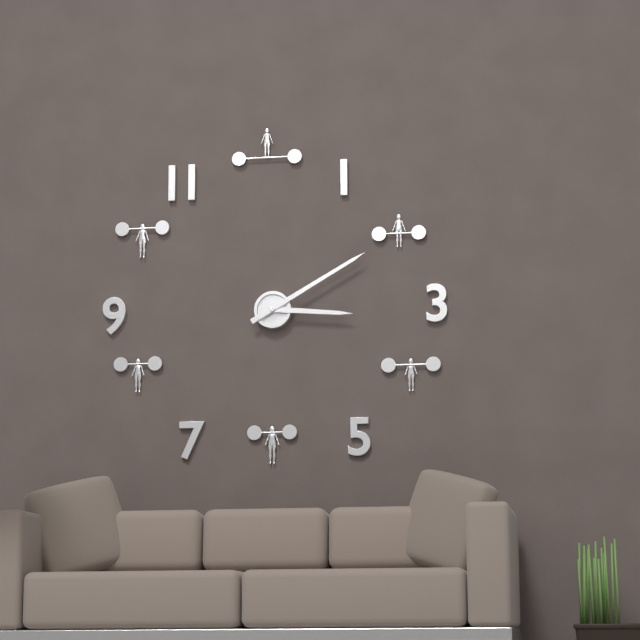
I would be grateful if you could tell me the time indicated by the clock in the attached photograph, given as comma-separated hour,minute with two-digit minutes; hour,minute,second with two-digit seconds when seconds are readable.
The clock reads 3,10
